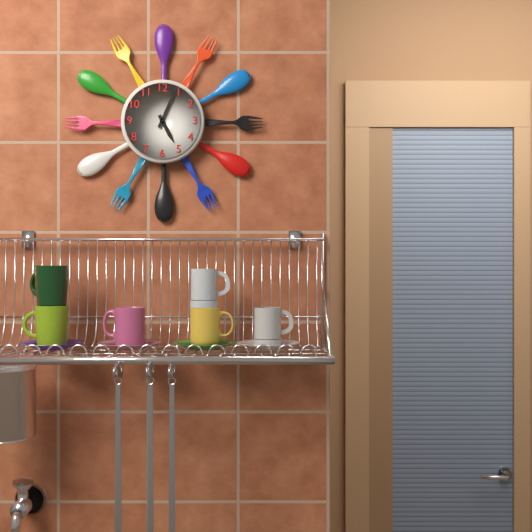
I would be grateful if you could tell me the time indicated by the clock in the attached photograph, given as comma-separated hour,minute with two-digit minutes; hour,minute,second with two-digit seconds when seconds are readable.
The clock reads 5,04
